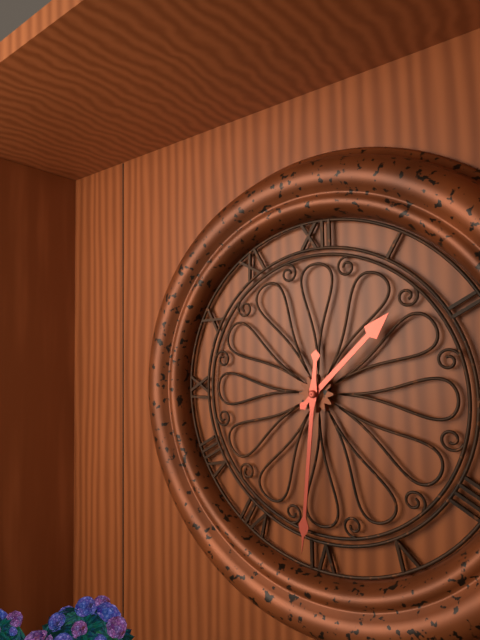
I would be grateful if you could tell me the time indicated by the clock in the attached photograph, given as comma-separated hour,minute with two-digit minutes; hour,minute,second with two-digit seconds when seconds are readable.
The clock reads 1,31
